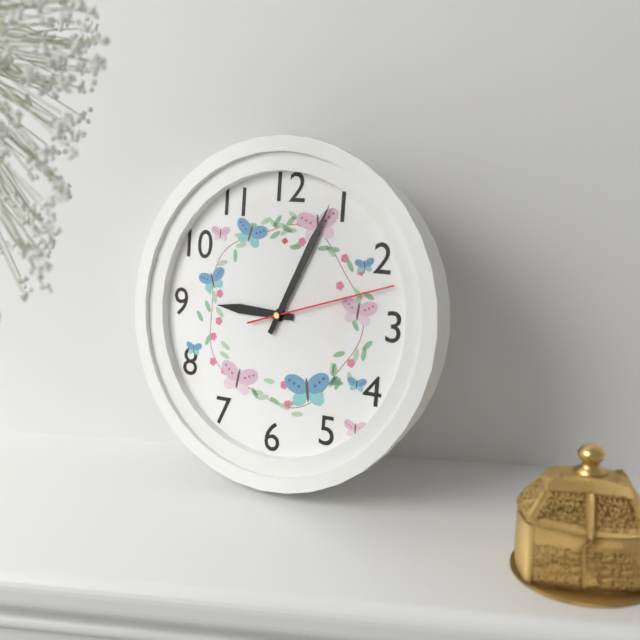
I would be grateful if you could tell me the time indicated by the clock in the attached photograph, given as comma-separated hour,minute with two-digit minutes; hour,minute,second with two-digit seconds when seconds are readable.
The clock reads 9,04,12
